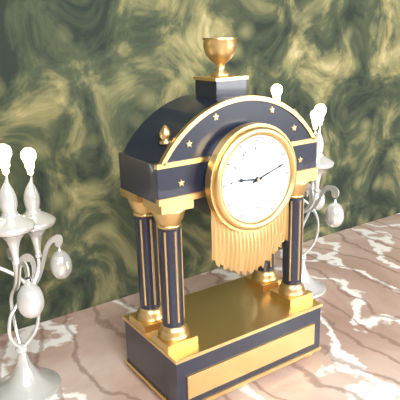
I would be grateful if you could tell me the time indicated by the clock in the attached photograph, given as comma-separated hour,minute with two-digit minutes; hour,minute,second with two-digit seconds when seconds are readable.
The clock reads 9,12
